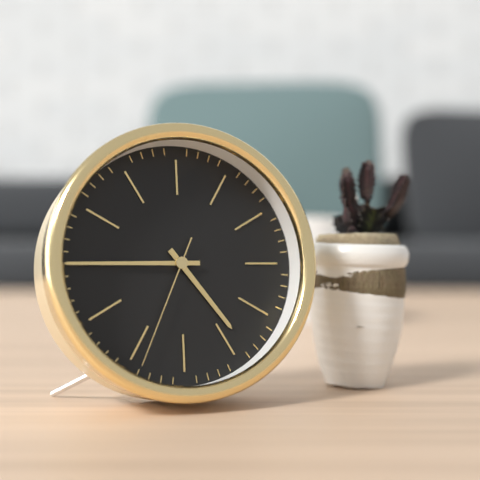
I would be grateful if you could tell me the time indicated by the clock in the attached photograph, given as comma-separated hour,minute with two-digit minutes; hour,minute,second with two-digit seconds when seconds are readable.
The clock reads 4,45,34
